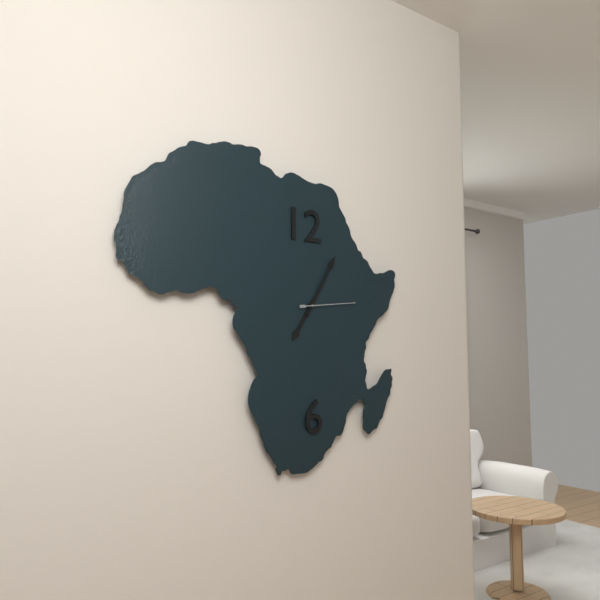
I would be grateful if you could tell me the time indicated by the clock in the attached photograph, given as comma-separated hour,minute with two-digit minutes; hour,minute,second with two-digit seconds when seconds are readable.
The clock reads 7,05,14
